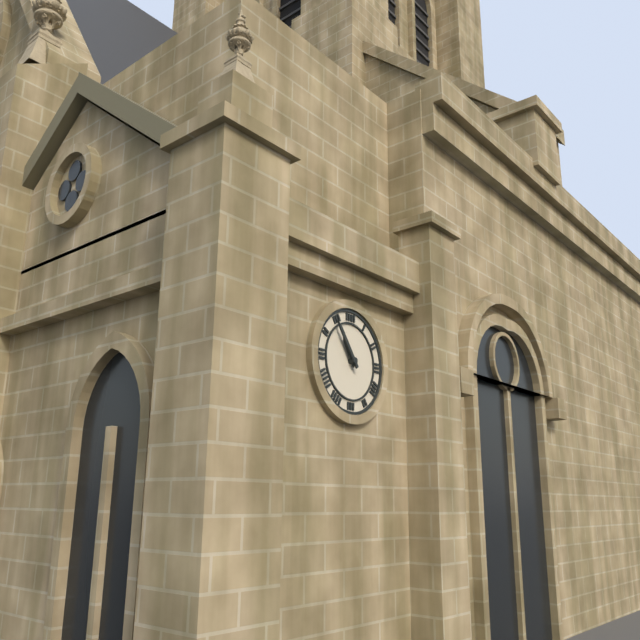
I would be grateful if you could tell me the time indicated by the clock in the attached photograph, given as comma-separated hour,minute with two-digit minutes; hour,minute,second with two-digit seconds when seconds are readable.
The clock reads 10,54
